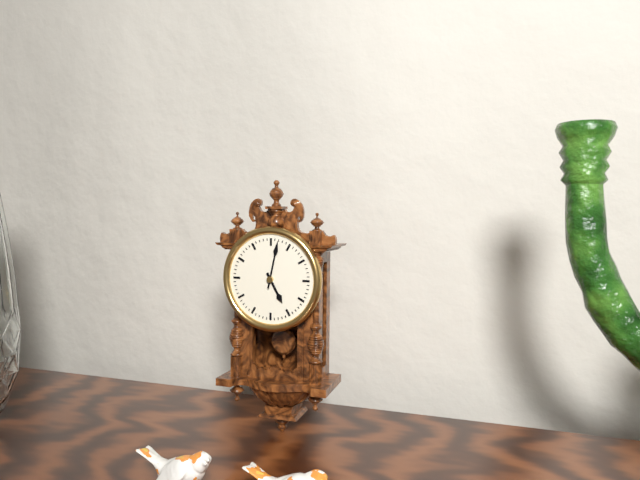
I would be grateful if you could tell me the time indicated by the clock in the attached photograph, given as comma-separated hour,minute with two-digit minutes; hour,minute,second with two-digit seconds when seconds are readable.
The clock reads 5,02
